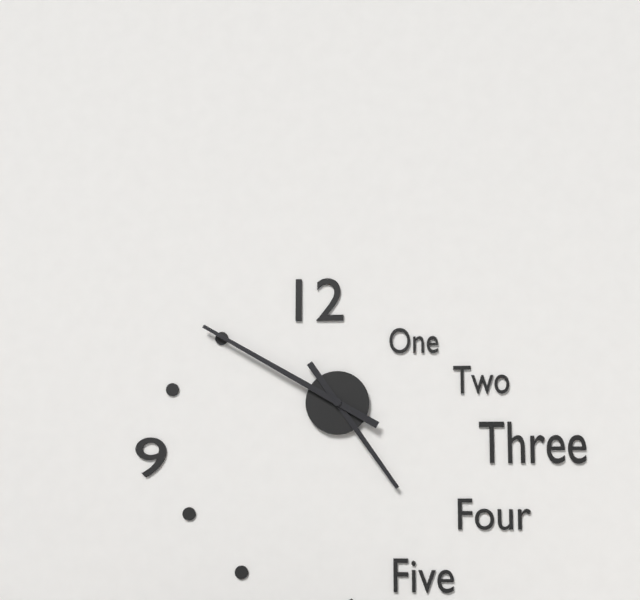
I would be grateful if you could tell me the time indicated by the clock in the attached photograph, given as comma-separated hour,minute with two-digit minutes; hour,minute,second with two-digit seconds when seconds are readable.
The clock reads 4,50
